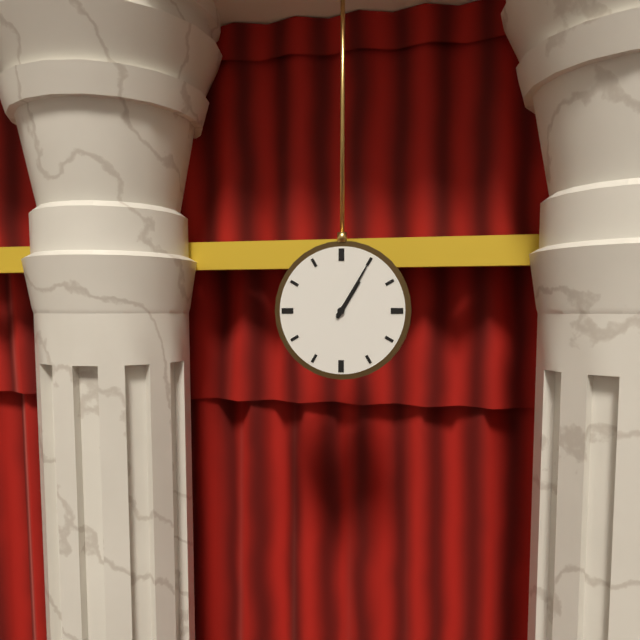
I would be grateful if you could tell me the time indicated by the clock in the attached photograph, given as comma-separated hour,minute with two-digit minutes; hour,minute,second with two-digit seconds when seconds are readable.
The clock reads 1,05
